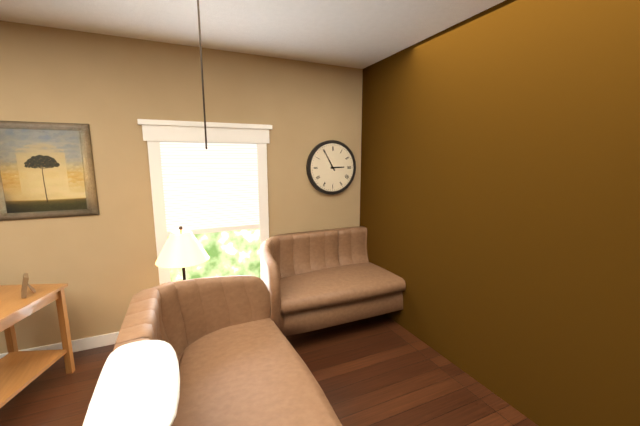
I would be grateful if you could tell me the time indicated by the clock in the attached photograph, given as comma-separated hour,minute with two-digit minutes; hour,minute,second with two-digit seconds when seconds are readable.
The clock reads 2,55
